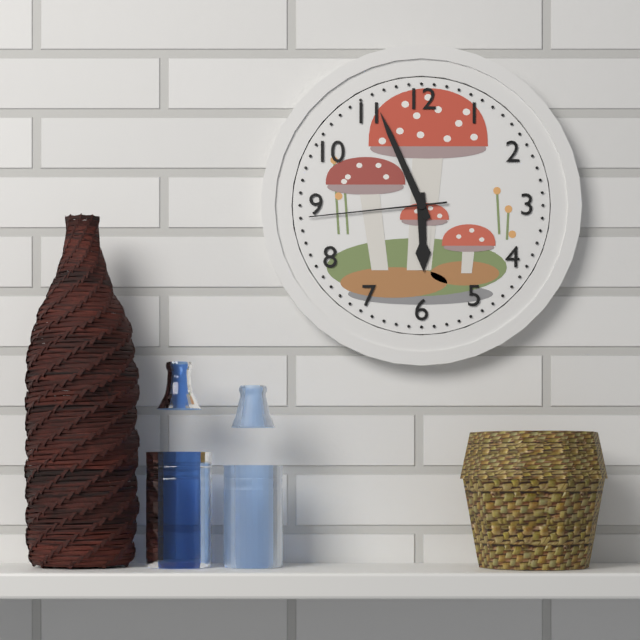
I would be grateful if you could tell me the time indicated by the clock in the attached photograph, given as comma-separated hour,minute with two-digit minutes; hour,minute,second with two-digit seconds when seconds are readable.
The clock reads 5,56,44
